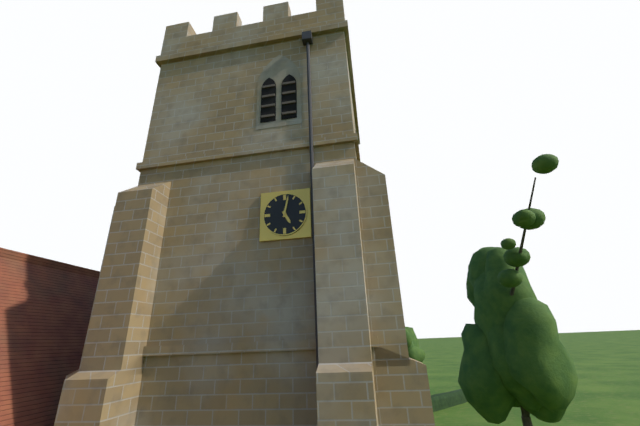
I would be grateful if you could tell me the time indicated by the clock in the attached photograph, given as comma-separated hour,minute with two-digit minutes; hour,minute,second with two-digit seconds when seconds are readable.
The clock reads 5,02
